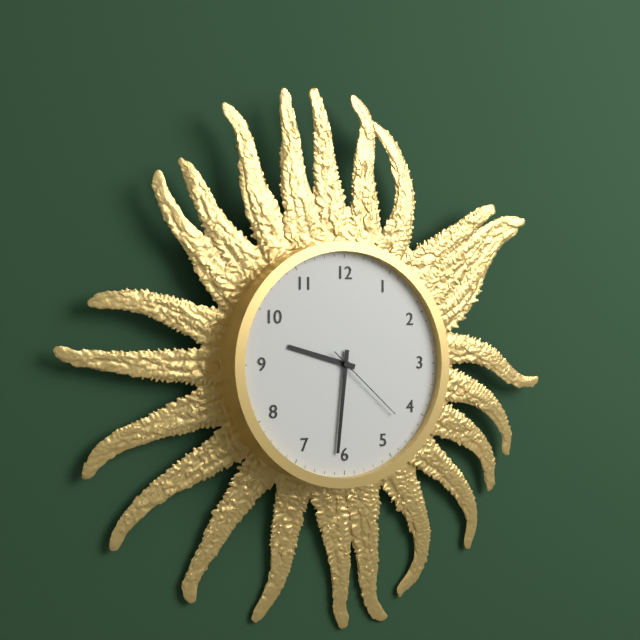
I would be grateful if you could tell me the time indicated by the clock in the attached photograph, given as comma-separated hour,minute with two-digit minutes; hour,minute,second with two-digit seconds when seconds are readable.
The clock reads 9,31,22
